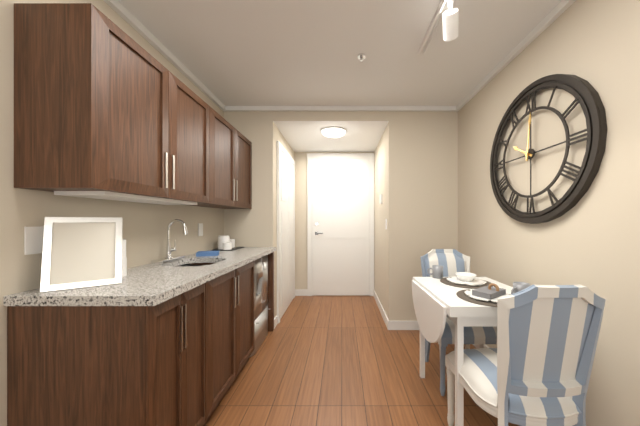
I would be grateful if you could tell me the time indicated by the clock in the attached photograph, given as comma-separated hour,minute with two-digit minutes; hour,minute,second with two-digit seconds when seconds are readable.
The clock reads 10,01
